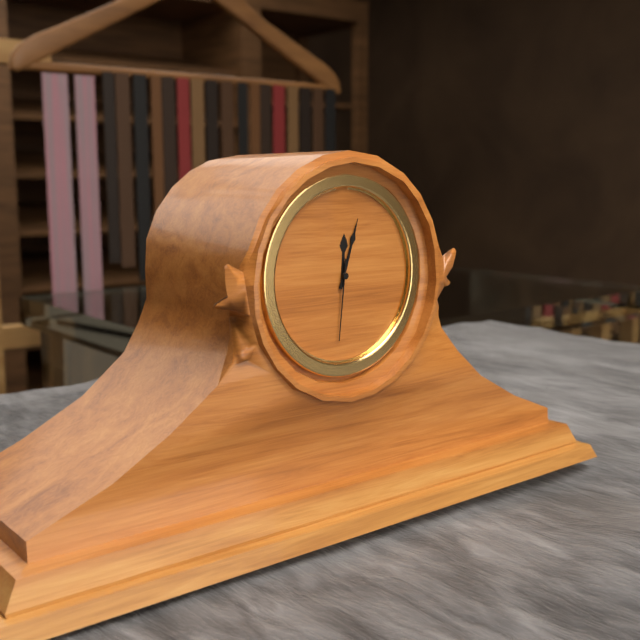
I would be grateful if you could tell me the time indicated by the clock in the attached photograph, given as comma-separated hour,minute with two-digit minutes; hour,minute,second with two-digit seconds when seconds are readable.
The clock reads 12,03,31
